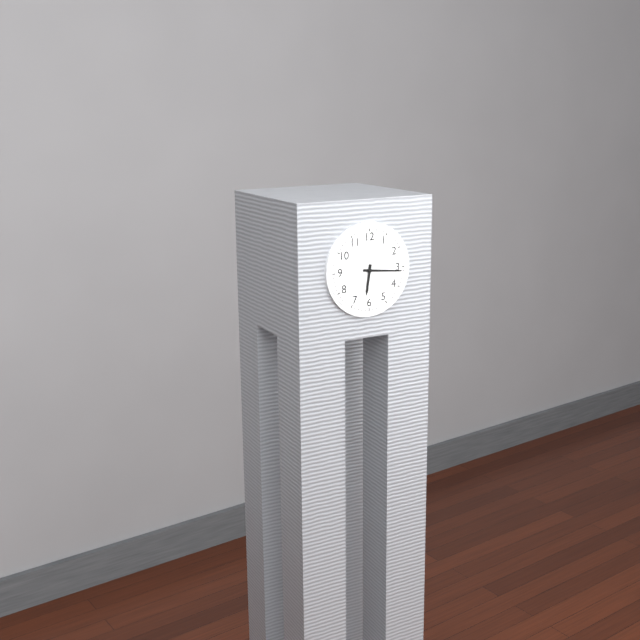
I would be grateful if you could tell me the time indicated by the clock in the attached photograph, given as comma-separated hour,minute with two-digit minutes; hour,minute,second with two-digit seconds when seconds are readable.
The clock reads 6,16
